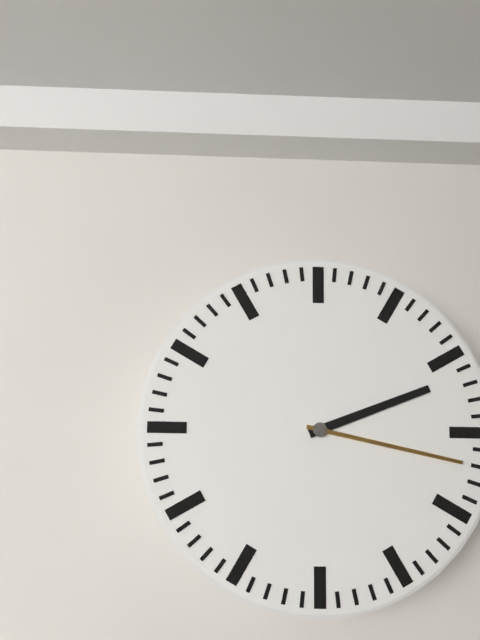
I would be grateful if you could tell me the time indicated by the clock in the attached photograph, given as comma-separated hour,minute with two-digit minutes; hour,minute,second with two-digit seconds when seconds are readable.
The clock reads 2,17
